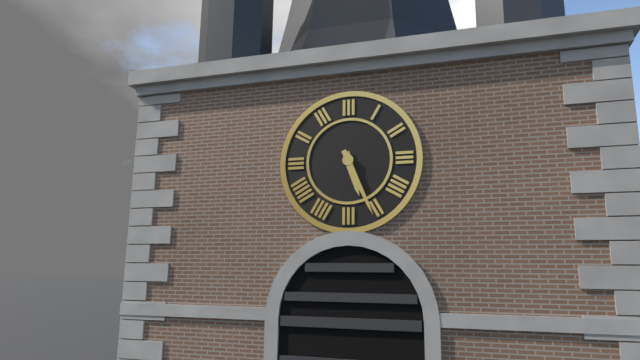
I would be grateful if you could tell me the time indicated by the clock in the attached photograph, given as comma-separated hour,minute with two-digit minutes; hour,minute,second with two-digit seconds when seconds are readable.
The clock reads 5,26
